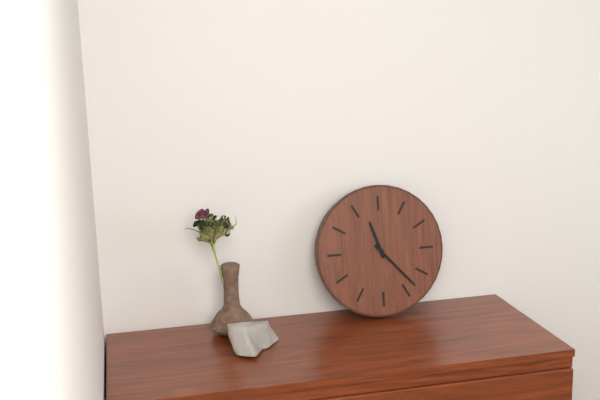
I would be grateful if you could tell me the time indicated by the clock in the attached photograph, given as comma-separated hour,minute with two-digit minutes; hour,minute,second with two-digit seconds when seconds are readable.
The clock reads 11,23
